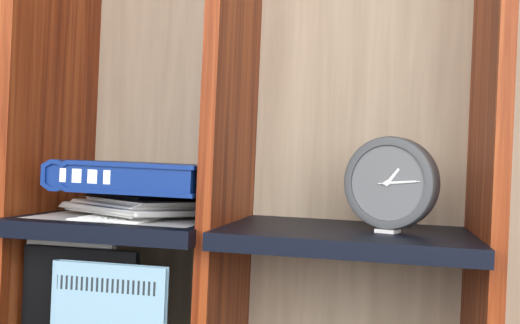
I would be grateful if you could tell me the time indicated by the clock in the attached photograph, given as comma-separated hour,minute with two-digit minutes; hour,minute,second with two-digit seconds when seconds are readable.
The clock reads 1,14
